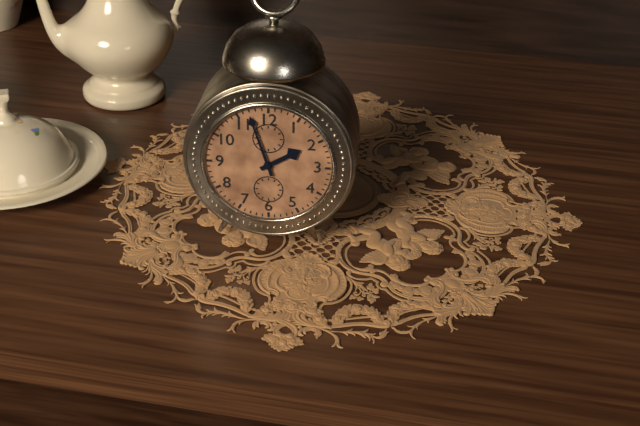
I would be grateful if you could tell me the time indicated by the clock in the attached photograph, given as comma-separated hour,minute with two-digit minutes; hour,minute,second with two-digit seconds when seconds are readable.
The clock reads 1,57
